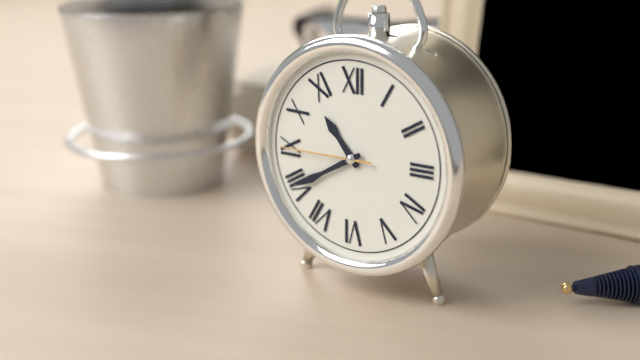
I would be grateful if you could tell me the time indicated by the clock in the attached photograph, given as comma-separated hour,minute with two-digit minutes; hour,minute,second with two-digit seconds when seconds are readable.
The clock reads 10,40,45
